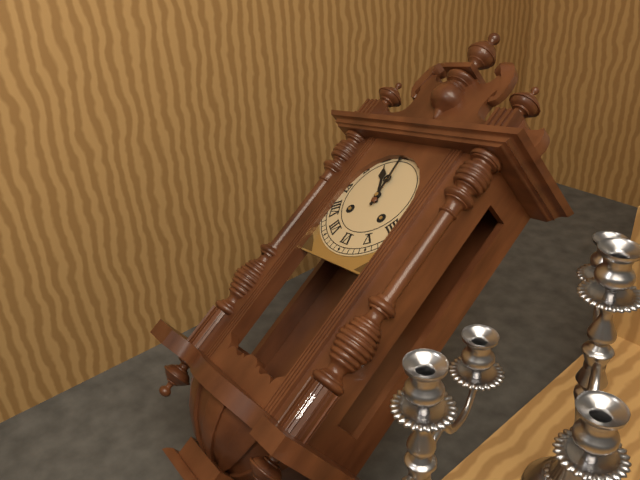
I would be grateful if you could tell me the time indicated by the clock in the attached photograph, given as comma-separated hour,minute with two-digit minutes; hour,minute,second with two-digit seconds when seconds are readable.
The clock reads 10,59
